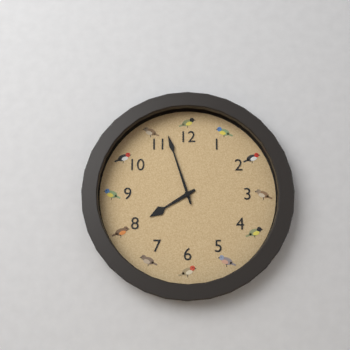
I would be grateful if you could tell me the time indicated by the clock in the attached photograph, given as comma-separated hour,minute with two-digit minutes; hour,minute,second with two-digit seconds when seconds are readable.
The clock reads 7,57
